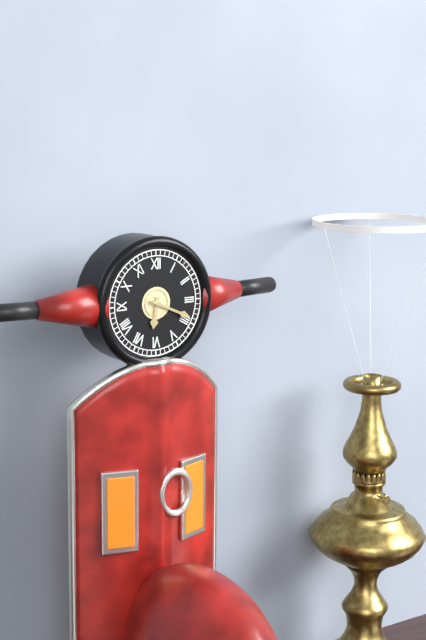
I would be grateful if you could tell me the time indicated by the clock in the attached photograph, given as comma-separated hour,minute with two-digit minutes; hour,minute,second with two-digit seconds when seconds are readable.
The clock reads 6,19
